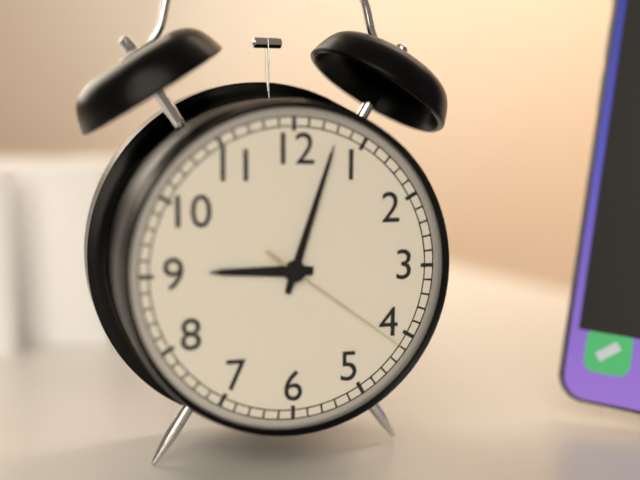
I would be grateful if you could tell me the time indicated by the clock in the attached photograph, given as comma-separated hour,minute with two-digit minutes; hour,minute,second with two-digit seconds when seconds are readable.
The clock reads 9,03,21
